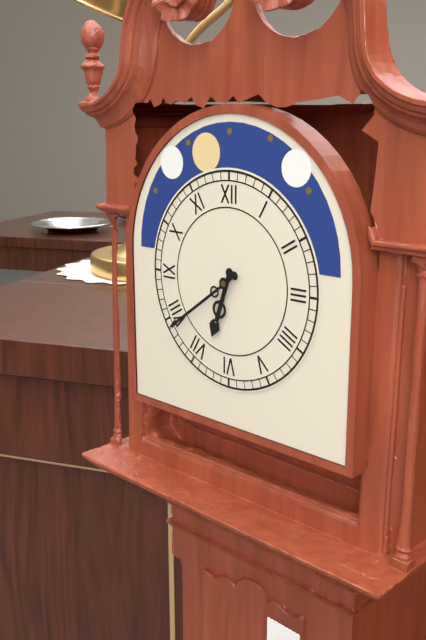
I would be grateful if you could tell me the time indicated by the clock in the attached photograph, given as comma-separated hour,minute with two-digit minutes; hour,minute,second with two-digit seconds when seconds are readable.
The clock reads 6,39
